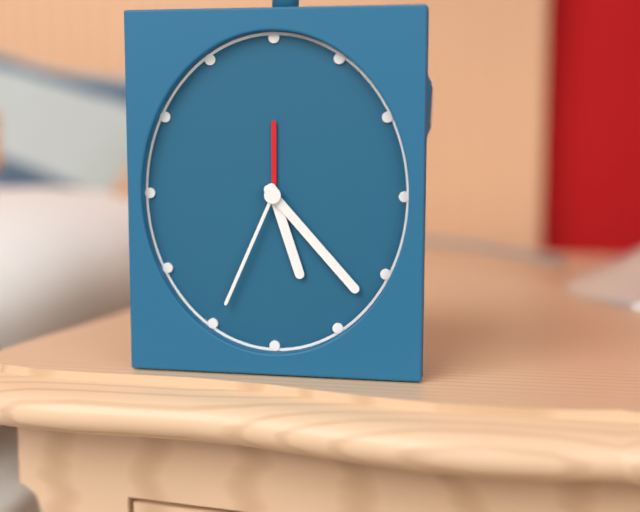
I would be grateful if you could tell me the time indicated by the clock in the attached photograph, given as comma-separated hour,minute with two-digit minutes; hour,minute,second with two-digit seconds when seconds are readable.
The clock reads 5,23,34
